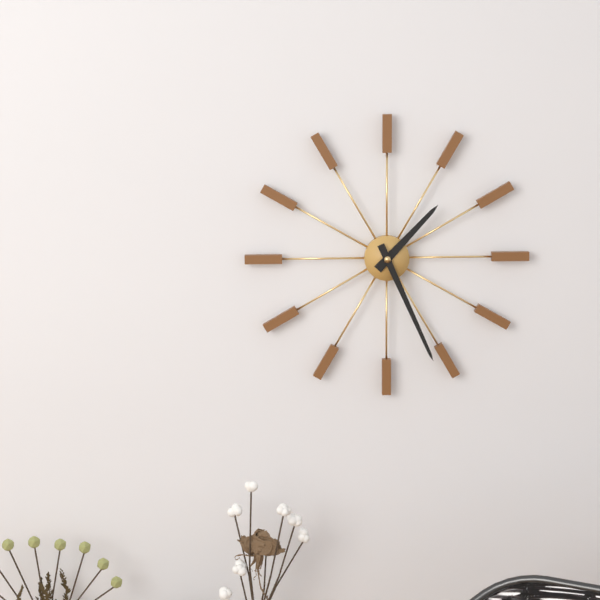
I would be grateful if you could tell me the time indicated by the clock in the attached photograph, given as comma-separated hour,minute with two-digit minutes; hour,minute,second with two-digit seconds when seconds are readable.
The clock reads 1,26
